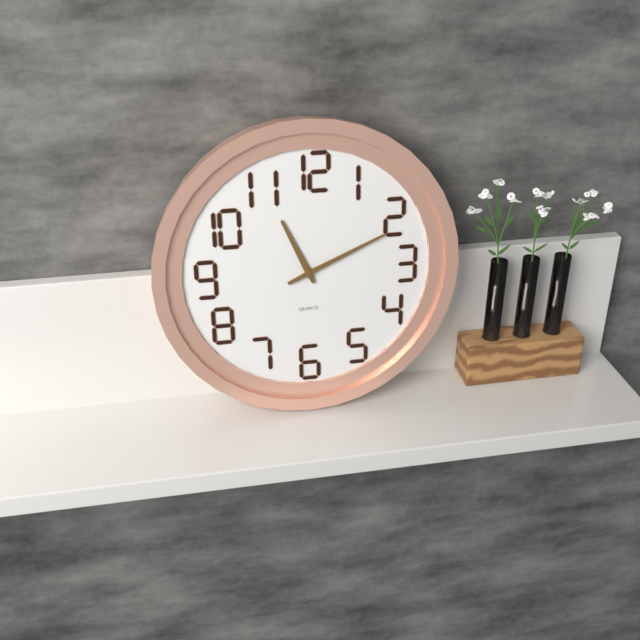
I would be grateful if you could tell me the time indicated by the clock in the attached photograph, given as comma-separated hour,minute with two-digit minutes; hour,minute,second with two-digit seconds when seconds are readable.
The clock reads 11,11
